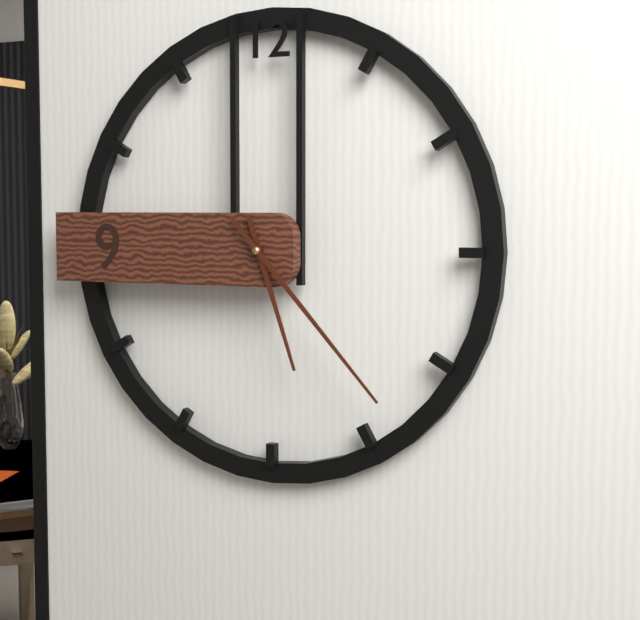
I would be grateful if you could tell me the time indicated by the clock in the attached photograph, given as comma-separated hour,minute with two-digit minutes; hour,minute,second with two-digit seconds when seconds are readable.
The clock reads 5,23
